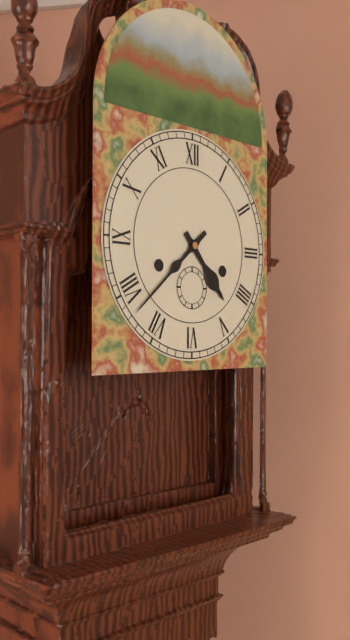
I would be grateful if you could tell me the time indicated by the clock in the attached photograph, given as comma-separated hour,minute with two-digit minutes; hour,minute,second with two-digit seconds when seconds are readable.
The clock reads 4,38
